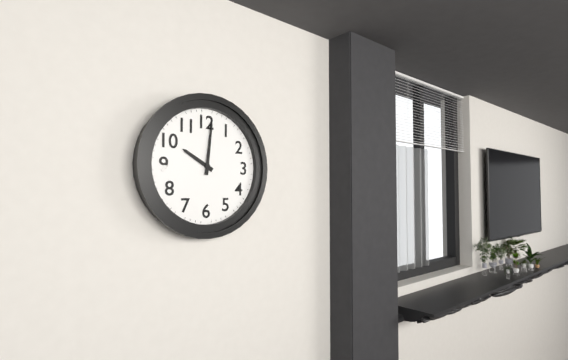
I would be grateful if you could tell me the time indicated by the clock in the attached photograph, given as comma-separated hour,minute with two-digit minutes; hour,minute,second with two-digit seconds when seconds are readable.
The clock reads 10,01
